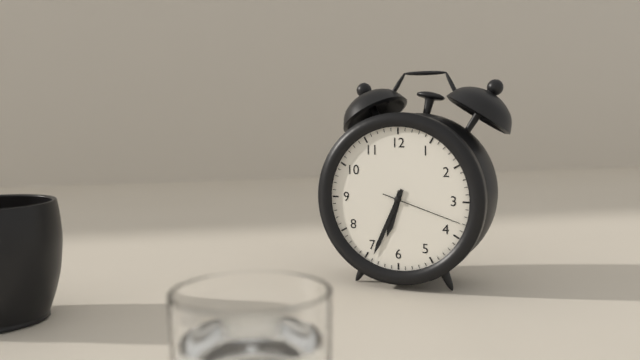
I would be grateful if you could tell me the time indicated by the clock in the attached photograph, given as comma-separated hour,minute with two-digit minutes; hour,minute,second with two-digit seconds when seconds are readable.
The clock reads 6,34,18
